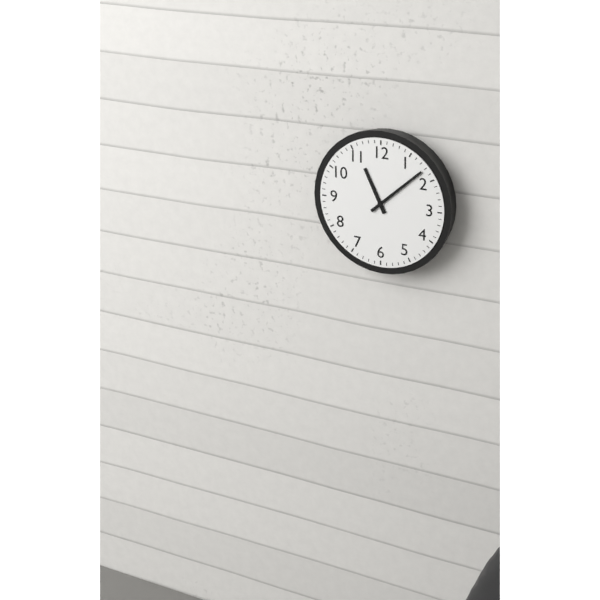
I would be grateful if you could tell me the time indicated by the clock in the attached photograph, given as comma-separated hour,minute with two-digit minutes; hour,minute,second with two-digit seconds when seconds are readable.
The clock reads 11,08
